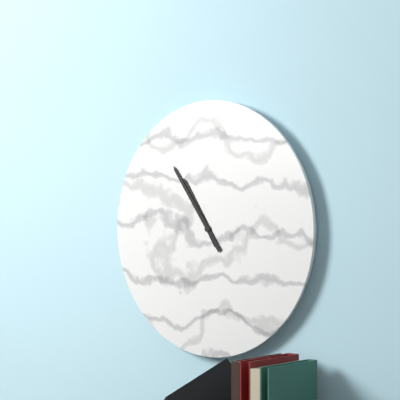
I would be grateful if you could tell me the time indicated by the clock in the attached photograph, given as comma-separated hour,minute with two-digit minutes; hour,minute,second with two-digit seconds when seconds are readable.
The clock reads 10,54
